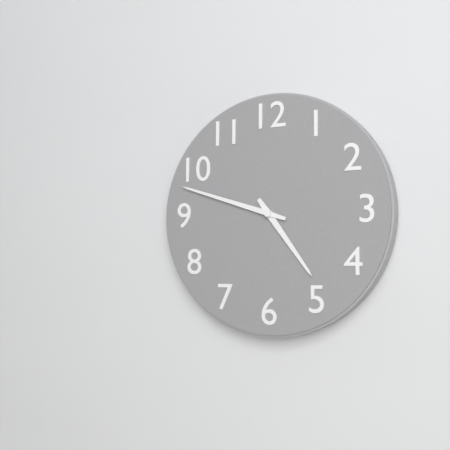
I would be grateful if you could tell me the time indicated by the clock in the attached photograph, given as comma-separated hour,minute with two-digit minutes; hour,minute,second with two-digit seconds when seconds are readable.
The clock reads 4,48
